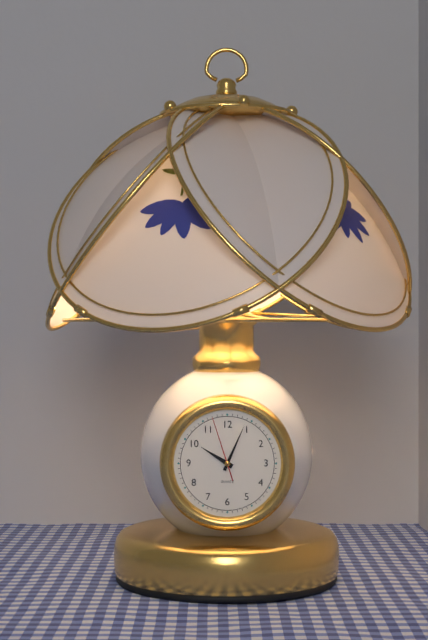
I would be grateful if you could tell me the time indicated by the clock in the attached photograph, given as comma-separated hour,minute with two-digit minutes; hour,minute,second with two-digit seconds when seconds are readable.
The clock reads 10,04,57
